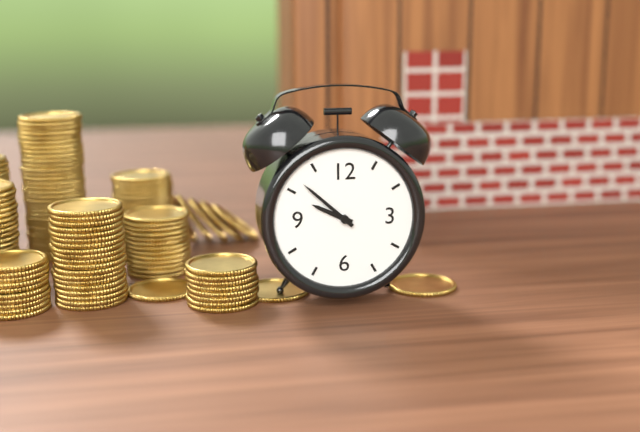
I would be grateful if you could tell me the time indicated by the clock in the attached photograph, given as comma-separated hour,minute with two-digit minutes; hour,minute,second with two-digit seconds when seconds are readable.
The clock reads 9,52
